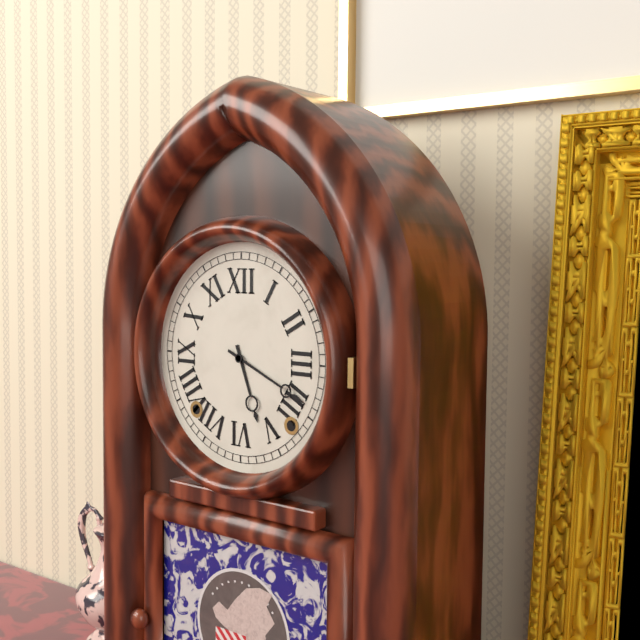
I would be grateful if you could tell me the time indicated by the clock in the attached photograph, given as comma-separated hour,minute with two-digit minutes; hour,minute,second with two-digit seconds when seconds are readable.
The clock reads 5,19
